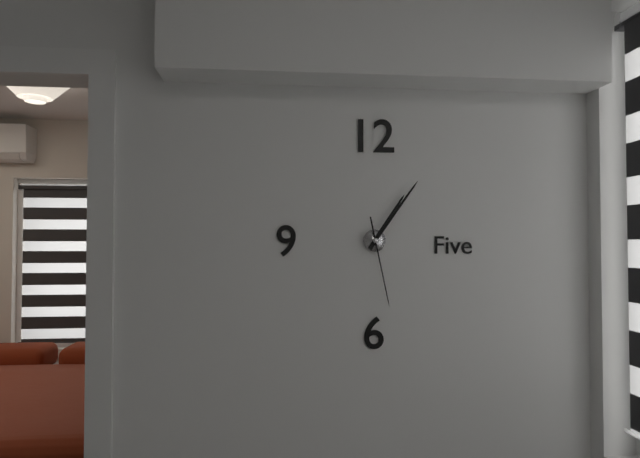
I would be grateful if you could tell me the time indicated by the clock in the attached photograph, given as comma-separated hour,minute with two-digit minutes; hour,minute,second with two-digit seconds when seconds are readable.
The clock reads 1,06,28
